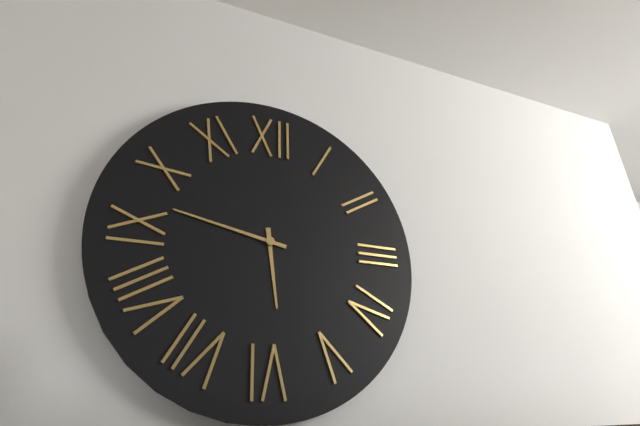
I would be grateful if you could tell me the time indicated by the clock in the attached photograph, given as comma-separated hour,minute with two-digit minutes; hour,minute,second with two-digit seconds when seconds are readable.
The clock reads 5,47
